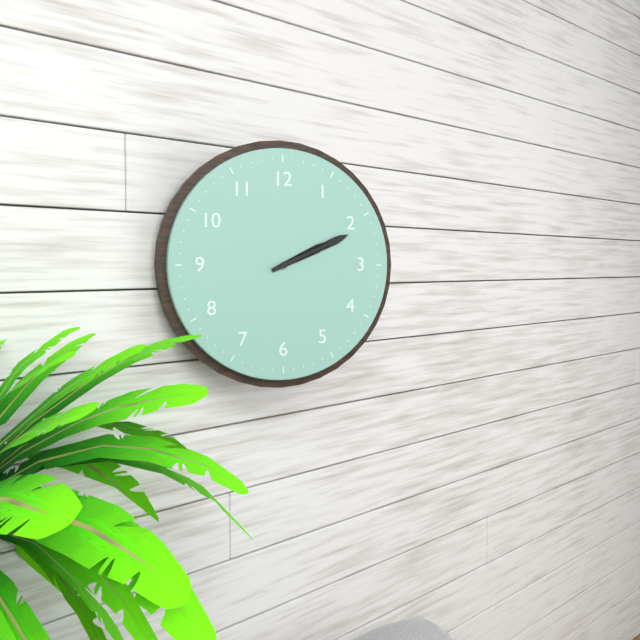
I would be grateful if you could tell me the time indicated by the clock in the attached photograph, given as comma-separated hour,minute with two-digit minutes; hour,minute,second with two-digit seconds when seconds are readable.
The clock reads 2,11
